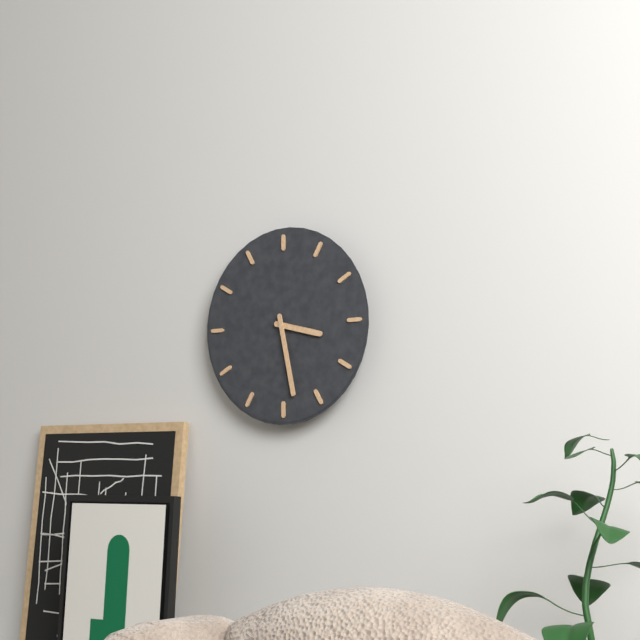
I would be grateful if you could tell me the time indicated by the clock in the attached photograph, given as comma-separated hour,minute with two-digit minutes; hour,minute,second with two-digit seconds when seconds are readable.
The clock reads 3,28
